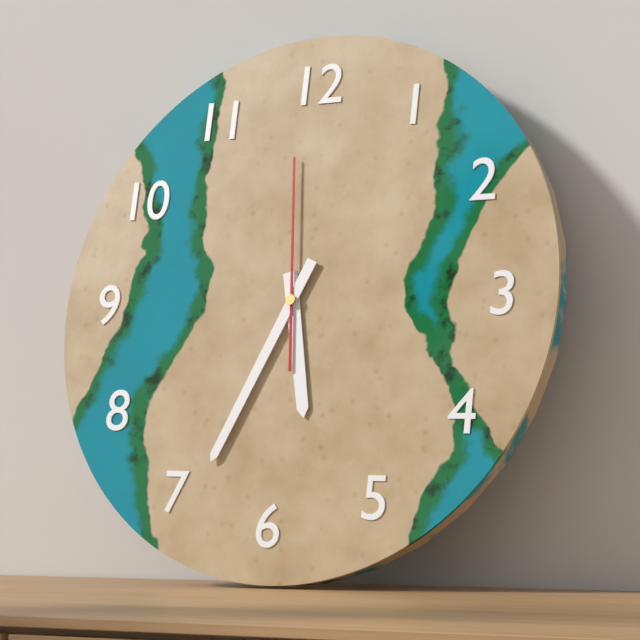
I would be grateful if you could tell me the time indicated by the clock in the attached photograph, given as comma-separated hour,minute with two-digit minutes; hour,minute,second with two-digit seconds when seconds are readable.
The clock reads 5,34,59
